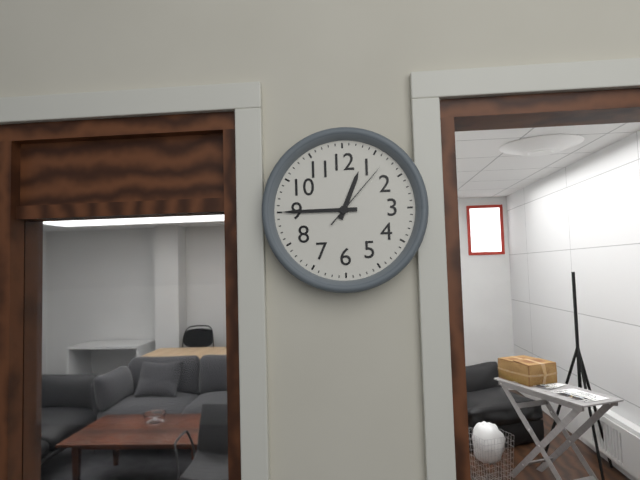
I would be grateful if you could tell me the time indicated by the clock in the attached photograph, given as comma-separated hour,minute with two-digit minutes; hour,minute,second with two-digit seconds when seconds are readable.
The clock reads 12,45,07
